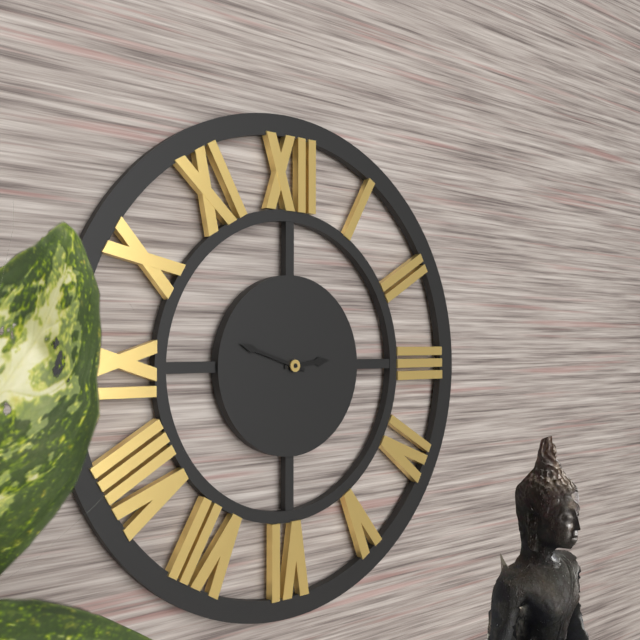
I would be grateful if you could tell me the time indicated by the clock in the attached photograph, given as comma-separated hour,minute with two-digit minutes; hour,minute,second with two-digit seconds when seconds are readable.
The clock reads 2,48
